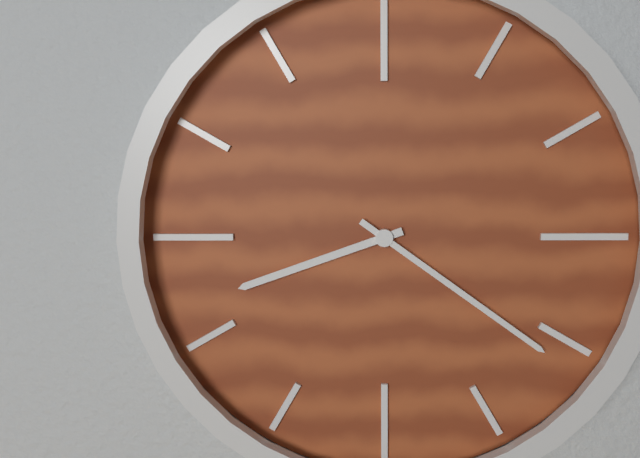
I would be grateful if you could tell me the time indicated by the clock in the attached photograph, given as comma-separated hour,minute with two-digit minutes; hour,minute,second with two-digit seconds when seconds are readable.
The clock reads 8,21
